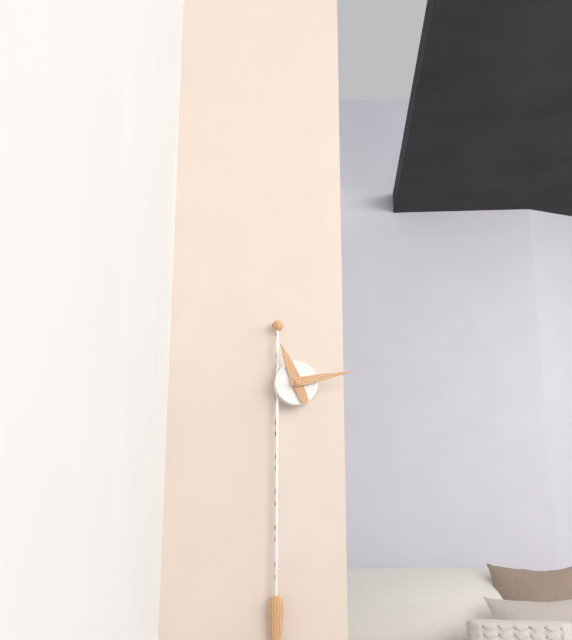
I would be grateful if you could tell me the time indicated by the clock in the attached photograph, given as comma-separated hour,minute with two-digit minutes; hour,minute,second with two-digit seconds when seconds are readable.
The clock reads 11,13
